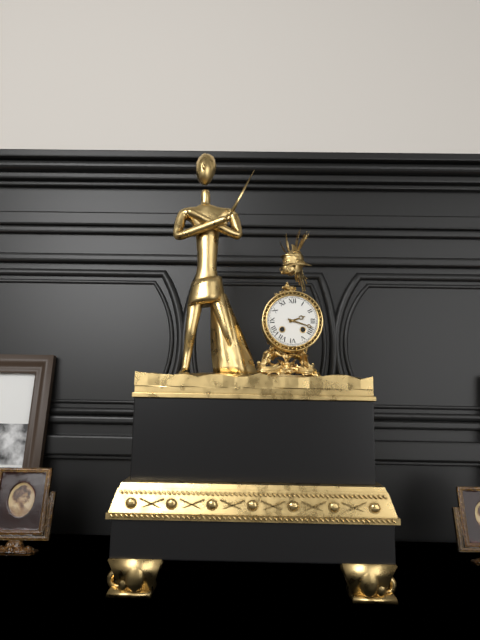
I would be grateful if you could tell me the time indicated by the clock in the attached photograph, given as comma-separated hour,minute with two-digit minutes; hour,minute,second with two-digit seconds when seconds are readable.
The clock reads 2,18
